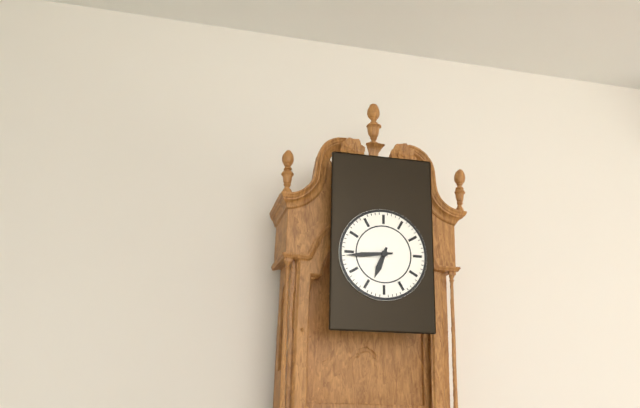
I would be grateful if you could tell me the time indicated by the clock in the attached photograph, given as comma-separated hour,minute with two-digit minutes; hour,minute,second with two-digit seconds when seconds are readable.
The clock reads 6,44
